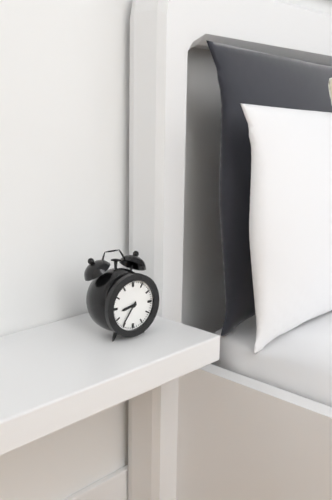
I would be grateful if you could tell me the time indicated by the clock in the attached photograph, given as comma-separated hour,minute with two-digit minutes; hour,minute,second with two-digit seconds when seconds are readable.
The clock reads 8,36
